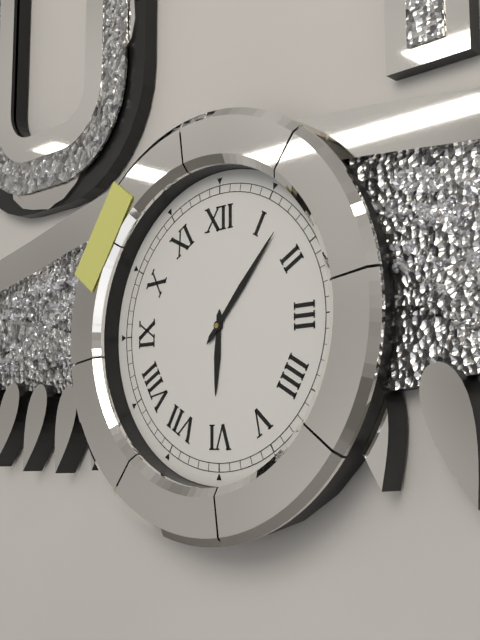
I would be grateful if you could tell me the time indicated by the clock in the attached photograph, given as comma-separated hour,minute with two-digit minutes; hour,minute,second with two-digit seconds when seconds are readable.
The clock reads 6,07
